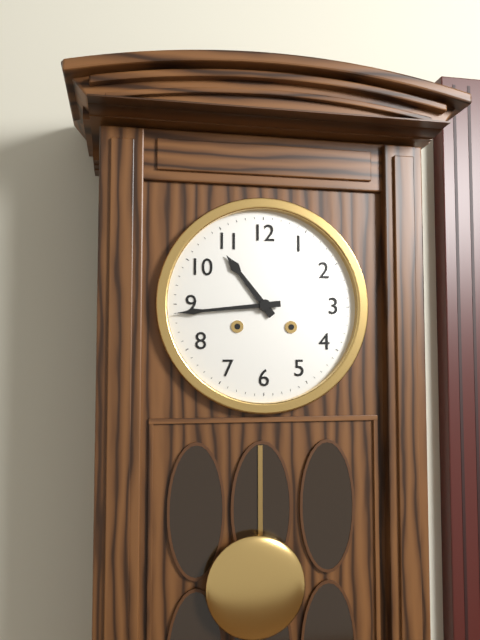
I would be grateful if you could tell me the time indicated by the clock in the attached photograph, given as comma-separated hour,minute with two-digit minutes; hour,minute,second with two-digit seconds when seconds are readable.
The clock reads 10,44
